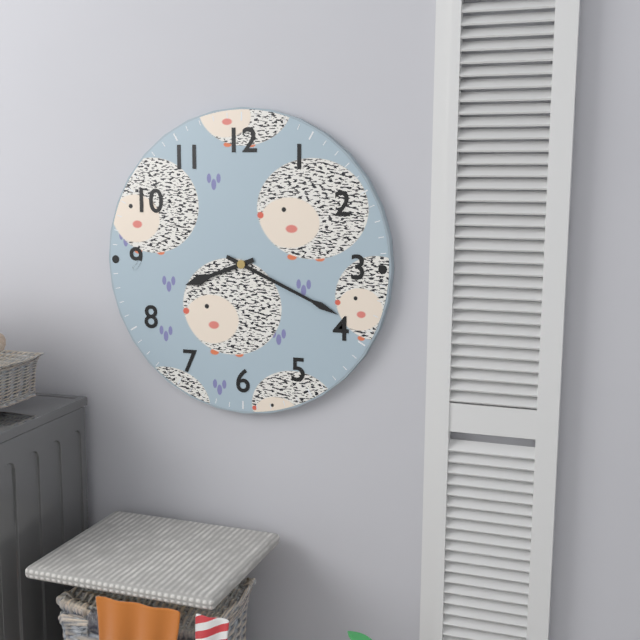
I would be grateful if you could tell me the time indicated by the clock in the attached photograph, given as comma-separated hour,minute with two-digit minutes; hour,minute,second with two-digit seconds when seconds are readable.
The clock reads 8,19
